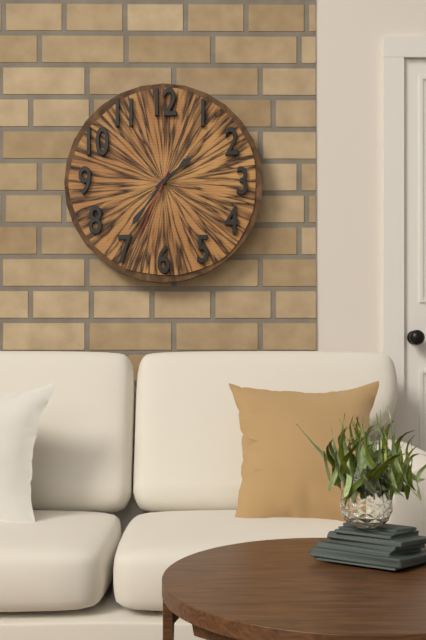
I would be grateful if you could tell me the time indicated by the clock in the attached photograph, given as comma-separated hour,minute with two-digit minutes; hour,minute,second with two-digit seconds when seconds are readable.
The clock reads 1,36,34
